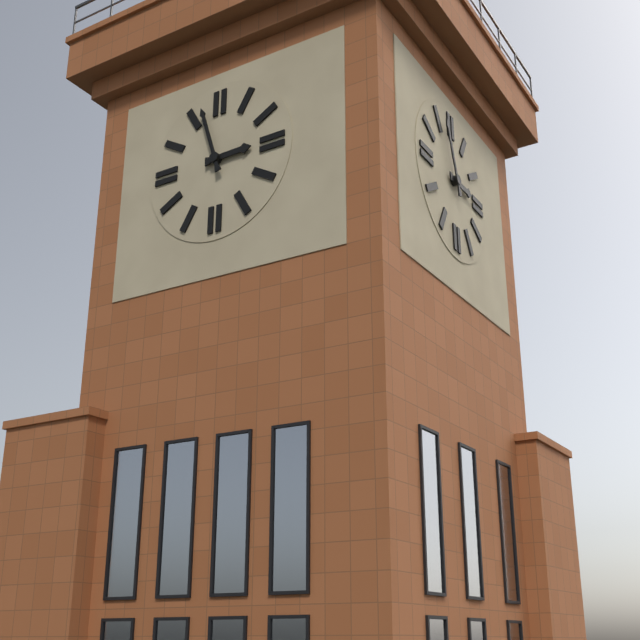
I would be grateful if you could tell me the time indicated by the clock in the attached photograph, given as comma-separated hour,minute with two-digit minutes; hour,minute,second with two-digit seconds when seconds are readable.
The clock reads 2,57
